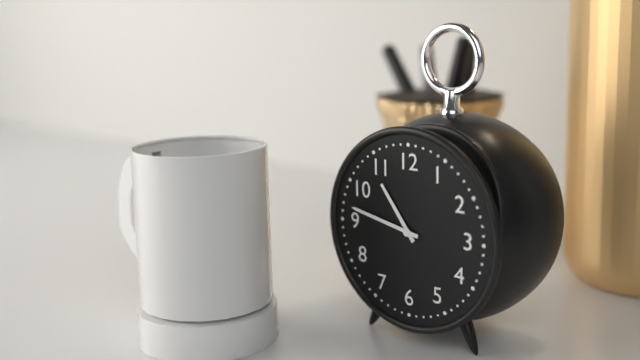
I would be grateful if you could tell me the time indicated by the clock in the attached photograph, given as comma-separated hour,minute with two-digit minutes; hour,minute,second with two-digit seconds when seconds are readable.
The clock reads 10,47
